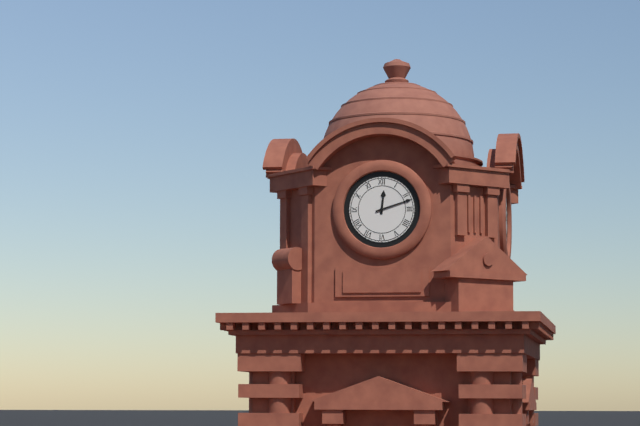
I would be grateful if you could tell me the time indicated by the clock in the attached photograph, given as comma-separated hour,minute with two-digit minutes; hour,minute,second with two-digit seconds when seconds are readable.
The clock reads 12,12
